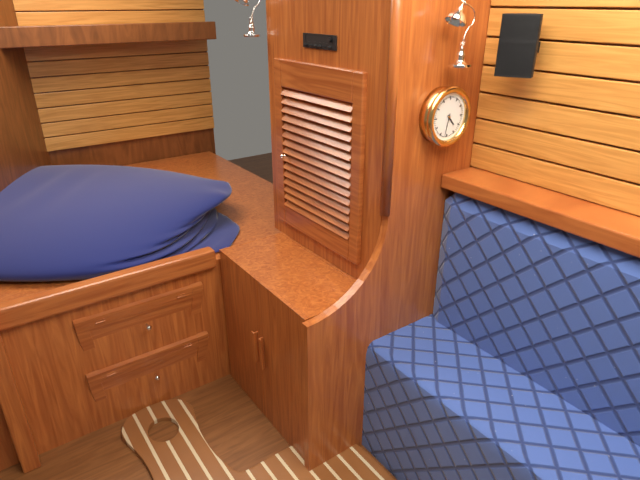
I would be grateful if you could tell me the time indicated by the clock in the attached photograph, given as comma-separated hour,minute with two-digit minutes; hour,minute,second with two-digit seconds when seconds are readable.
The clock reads 4,32
